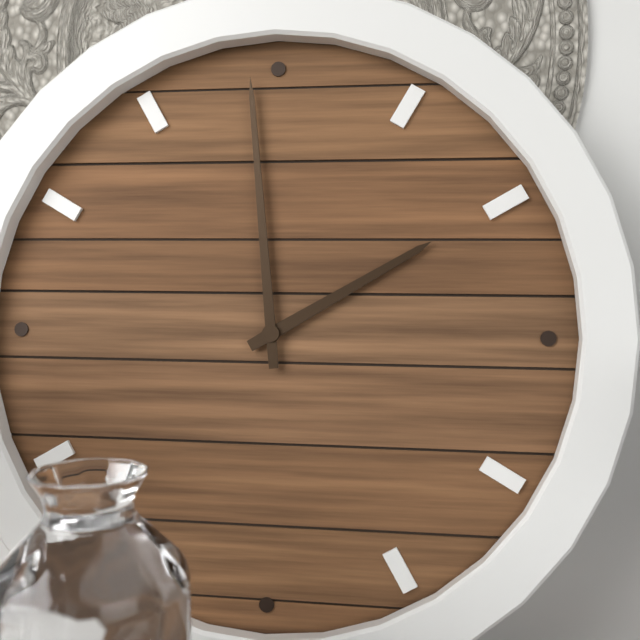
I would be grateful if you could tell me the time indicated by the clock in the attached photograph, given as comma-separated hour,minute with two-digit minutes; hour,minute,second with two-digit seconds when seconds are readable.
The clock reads 1,59
